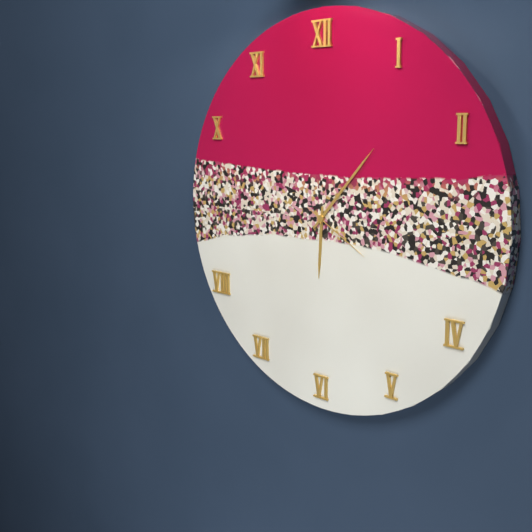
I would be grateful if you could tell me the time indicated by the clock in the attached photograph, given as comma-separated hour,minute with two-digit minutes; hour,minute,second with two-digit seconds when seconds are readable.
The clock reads 6,07,20
